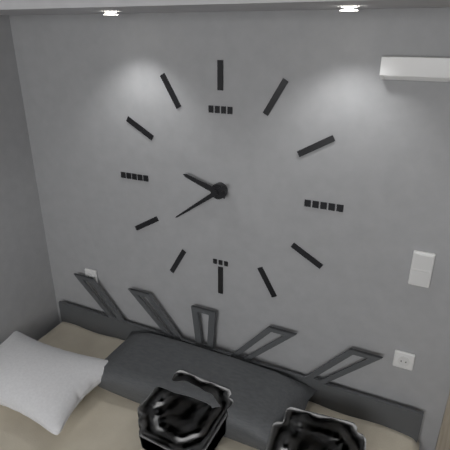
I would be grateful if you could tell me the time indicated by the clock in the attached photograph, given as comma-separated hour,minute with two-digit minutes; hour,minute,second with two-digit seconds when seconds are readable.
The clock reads 9,39
